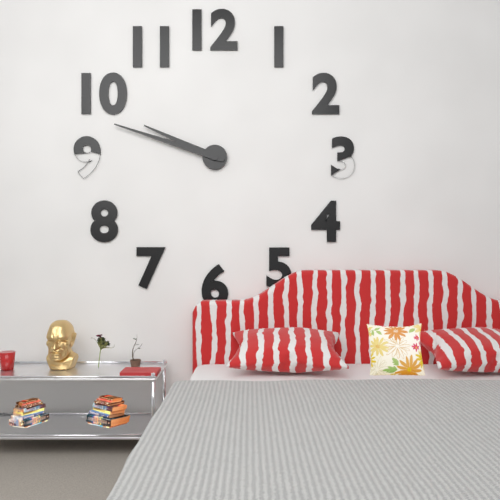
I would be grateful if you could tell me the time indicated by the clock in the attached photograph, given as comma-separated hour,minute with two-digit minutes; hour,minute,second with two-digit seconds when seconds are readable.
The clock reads 9,48
